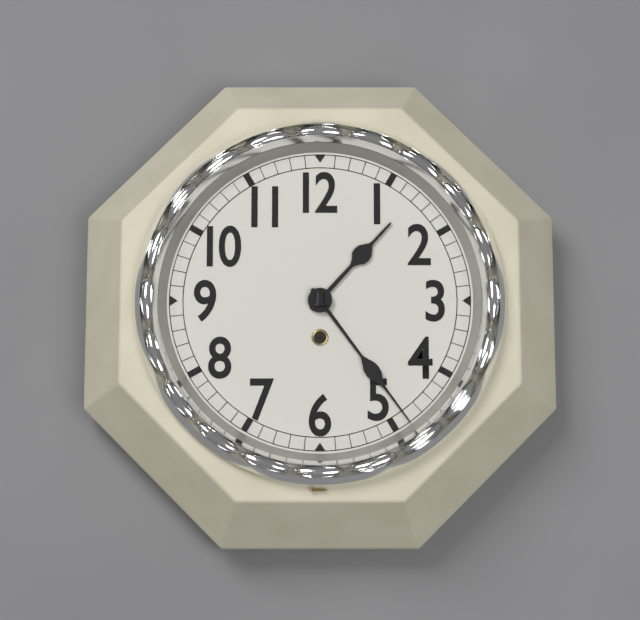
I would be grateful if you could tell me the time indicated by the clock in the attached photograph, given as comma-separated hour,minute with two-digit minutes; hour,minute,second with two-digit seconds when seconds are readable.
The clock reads 1,24
